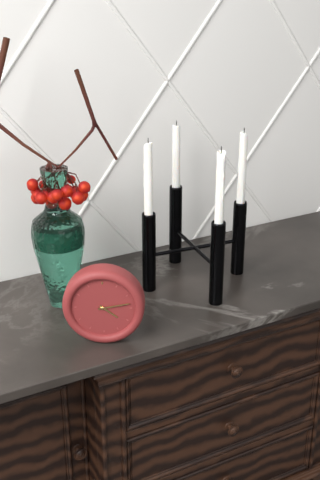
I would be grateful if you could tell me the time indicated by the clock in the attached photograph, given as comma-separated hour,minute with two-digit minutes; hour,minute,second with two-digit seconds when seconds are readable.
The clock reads 4,13
